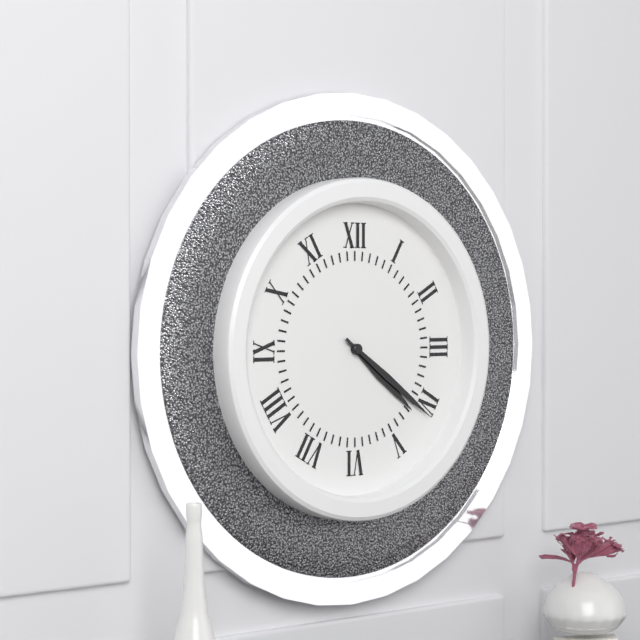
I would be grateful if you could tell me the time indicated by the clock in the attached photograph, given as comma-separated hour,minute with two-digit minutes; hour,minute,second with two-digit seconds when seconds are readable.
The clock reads 4,21
